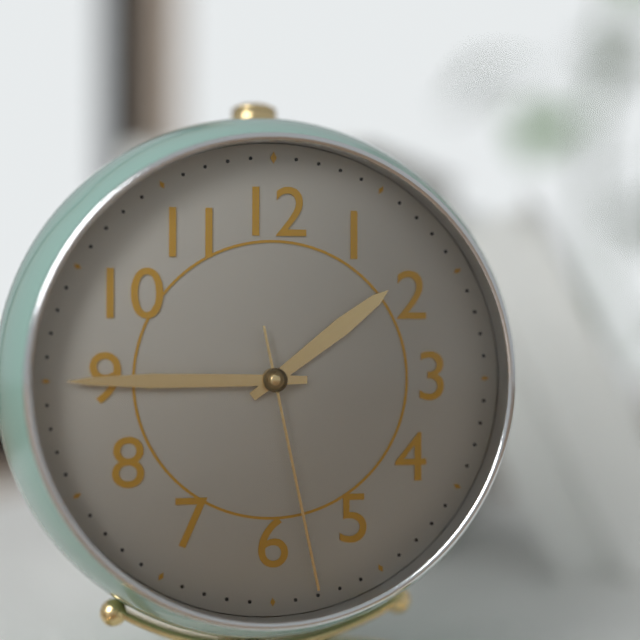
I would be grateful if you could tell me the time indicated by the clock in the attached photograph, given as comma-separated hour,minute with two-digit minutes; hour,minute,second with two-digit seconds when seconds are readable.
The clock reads 1,45,28
